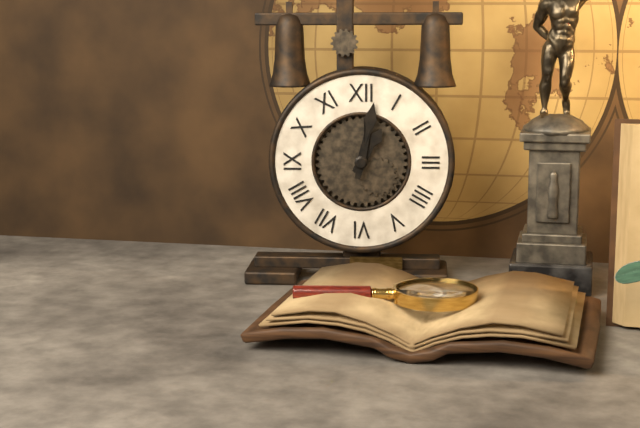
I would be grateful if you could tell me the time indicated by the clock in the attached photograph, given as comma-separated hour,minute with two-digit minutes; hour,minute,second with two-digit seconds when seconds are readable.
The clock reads 1,02
